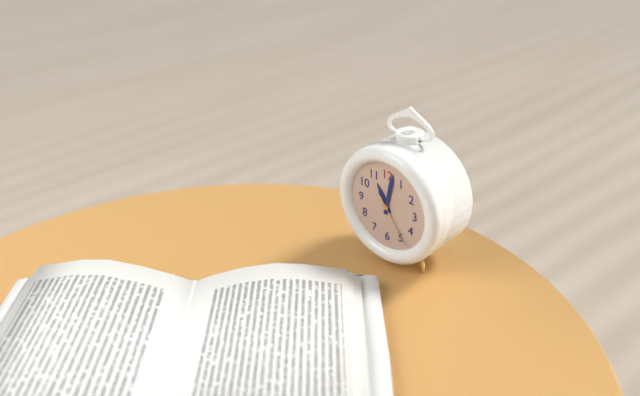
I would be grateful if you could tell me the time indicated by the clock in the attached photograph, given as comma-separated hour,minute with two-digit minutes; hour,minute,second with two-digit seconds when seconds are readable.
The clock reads 11,02,24
